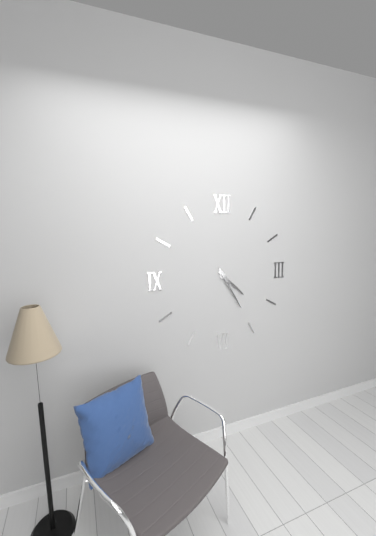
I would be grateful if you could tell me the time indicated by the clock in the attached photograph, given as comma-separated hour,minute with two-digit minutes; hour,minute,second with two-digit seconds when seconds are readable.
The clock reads 4,25
